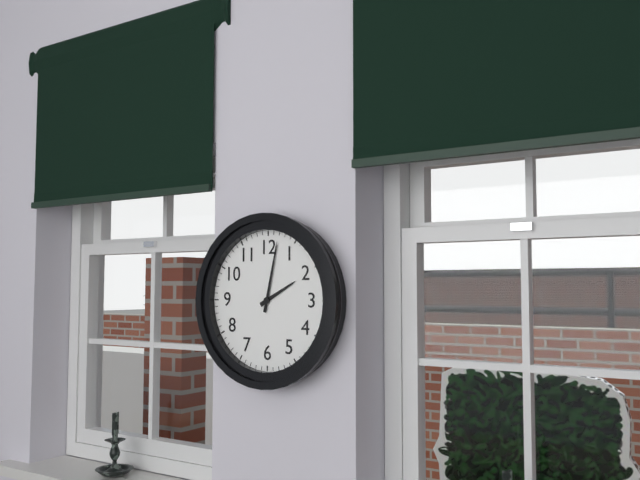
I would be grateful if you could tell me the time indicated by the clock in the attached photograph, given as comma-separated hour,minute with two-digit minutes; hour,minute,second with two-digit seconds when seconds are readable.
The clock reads 2,02
